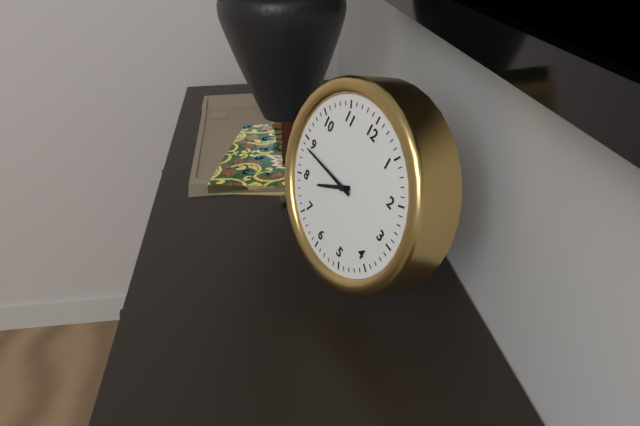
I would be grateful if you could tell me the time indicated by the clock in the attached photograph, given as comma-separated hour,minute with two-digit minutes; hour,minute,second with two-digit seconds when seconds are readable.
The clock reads 7,44
